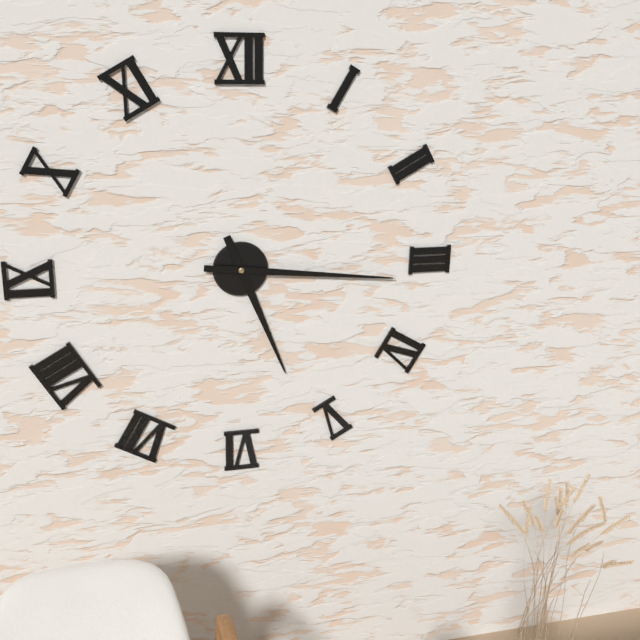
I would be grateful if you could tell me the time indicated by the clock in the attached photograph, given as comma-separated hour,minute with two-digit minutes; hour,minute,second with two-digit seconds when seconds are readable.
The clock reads 5,16
